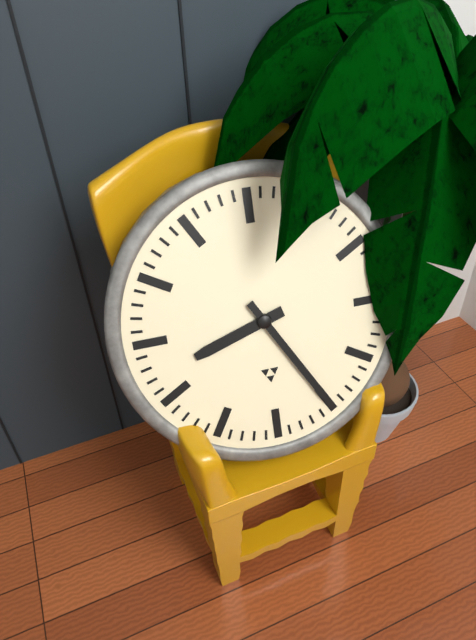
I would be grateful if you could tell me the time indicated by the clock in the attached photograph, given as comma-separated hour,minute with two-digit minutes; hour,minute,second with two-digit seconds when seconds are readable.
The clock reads 8,25
